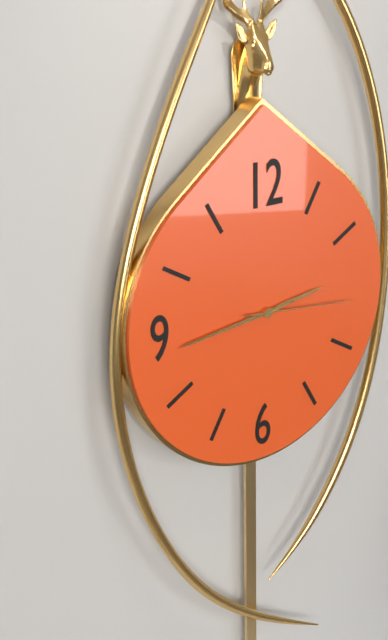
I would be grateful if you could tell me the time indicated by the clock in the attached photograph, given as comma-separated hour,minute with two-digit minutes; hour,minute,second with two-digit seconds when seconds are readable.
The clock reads 2,44,16
